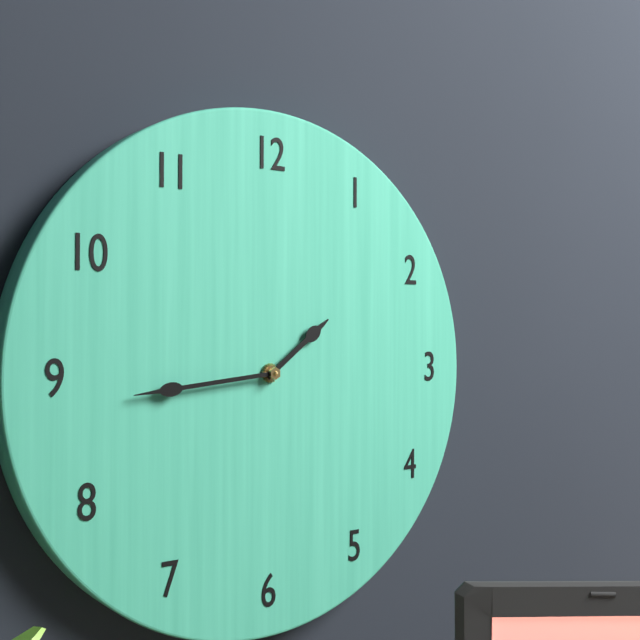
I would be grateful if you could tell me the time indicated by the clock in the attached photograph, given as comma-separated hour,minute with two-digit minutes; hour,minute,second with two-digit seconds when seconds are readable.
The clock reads 1,44
